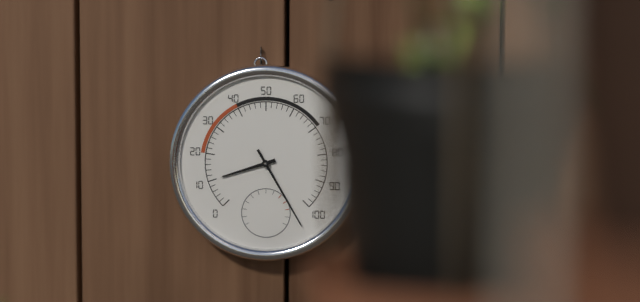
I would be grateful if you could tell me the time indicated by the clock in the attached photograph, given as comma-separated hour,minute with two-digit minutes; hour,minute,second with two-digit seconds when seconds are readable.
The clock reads 8,25
